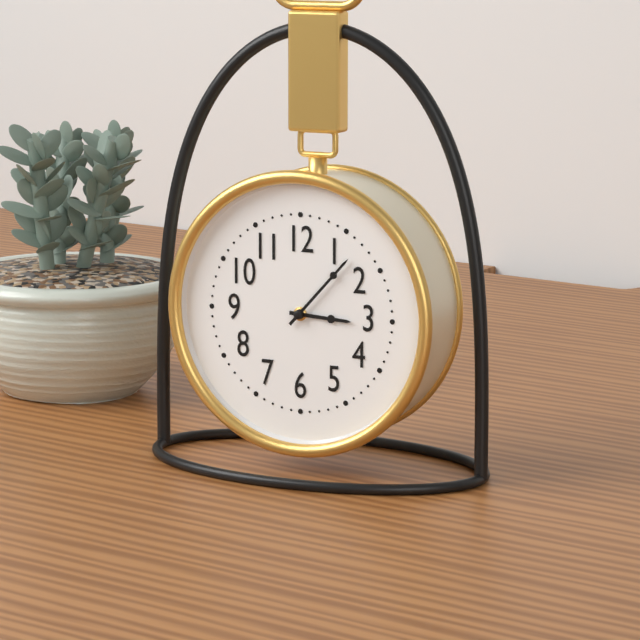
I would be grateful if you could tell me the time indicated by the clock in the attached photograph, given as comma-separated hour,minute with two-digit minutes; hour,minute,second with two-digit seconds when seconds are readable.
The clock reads 3,07
